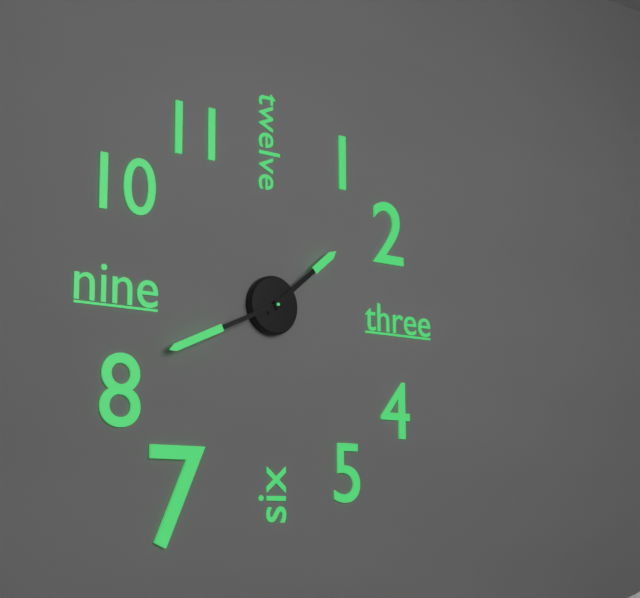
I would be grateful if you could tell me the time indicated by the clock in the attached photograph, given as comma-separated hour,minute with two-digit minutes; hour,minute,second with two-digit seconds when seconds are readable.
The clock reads 1,41
